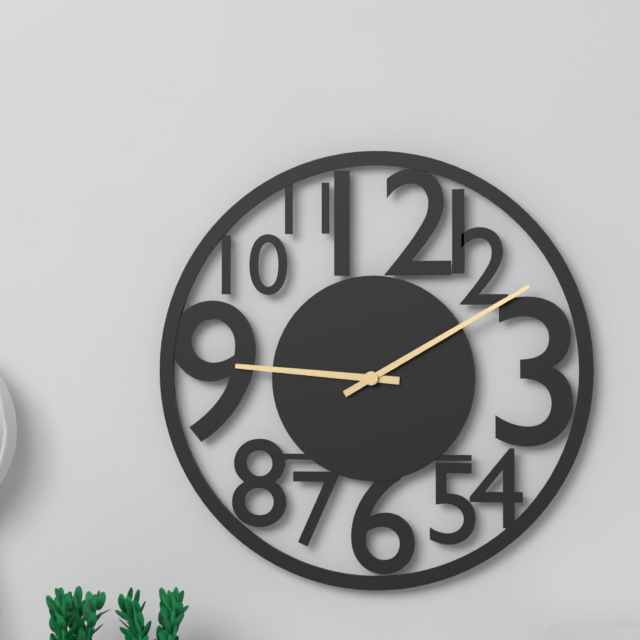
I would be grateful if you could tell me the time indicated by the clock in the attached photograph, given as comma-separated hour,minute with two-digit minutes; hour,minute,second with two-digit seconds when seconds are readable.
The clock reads 9,10
